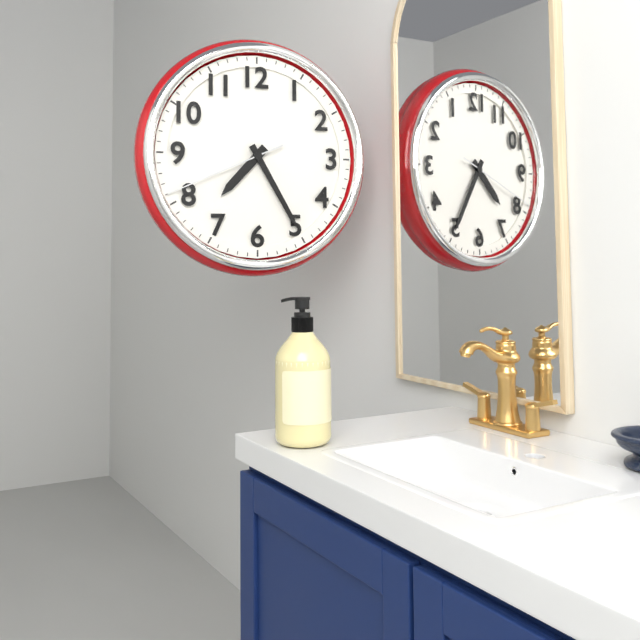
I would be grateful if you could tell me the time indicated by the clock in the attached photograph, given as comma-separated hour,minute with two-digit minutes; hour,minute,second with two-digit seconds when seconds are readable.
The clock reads 7,25,41
